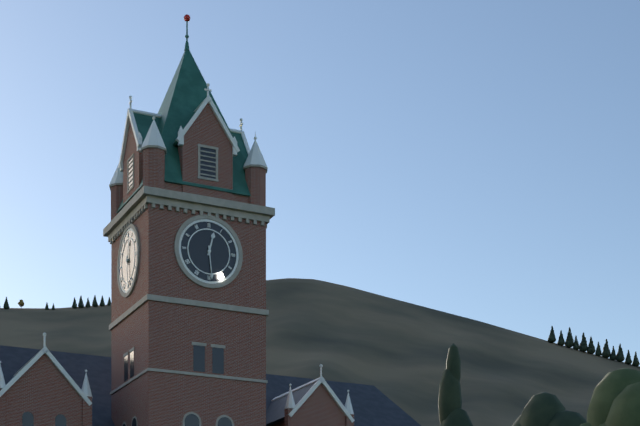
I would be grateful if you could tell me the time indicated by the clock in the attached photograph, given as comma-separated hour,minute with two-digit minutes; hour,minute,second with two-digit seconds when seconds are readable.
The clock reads 12,29
